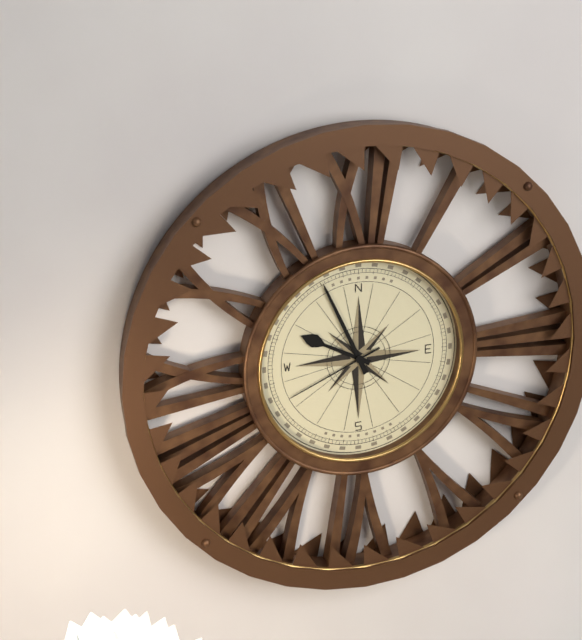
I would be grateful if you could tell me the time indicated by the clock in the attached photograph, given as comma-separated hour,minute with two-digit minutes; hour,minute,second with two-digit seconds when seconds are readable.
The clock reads 9,56,41
